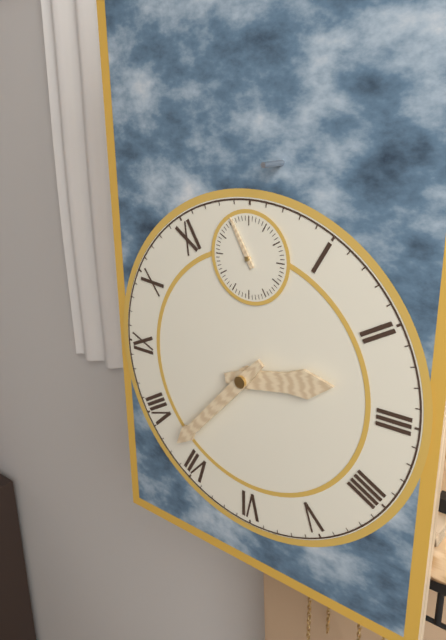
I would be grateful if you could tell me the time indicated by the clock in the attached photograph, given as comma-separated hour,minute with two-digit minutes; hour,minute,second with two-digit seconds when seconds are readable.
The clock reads 2,37,55
